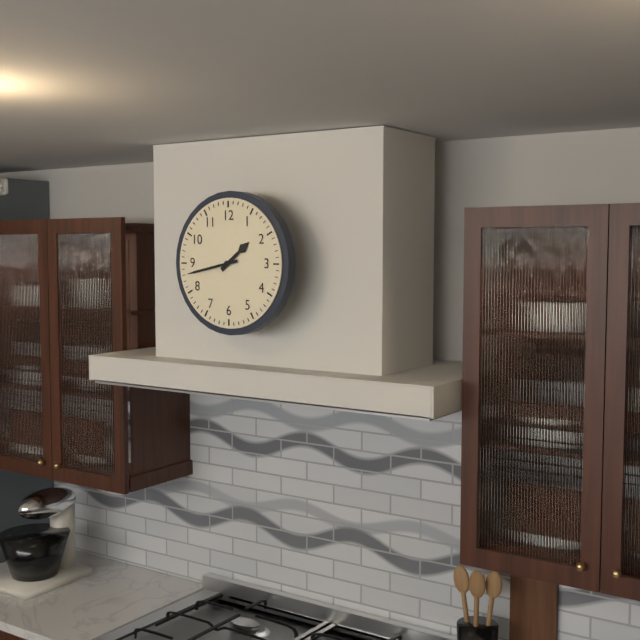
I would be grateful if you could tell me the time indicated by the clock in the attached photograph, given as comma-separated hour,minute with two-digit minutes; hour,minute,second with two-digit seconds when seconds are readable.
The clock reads 1,43
